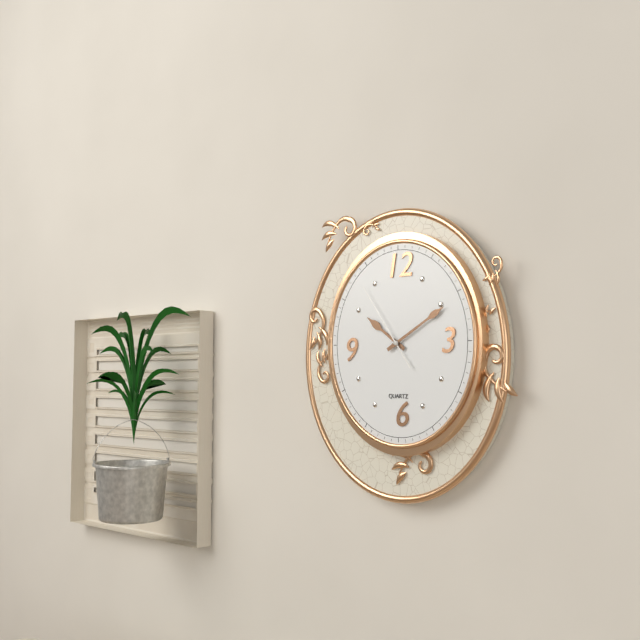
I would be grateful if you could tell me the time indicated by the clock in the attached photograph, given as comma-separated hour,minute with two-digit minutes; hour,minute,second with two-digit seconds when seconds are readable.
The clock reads 10,10,54
